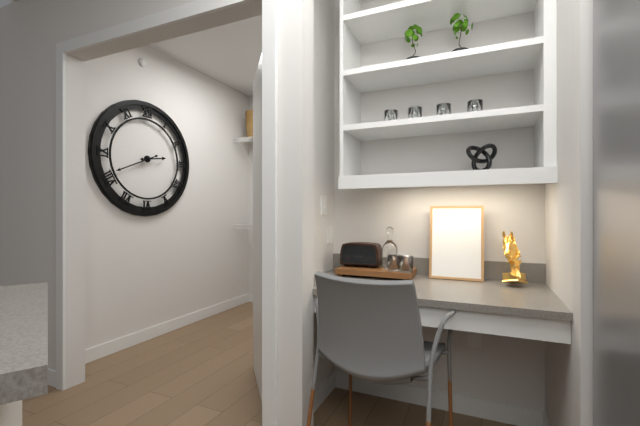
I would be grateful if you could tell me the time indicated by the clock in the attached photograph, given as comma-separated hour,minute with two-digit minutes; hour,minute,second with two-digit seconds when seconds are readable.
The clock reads 2,41
